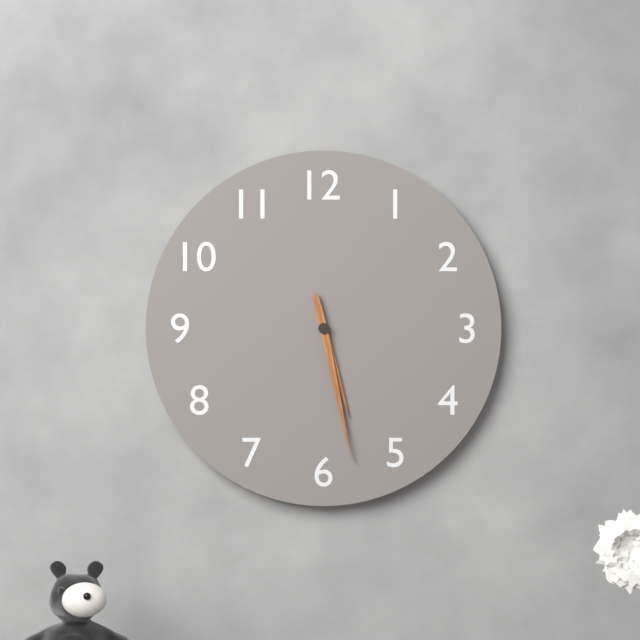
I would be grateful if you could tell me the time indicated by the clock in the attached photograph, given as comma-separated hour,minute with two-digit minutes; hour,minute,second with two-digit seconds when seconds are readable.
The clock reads 5,28
